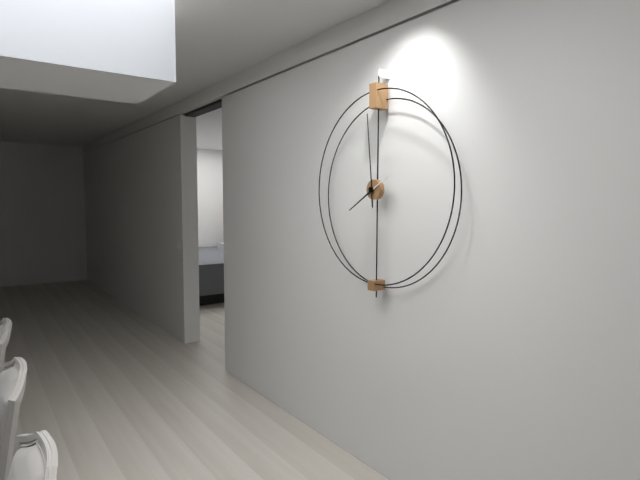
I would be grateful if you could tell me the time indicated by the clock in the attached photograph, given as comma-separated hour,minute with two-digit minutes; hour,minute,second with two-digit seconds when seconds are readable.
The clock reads 7,59
